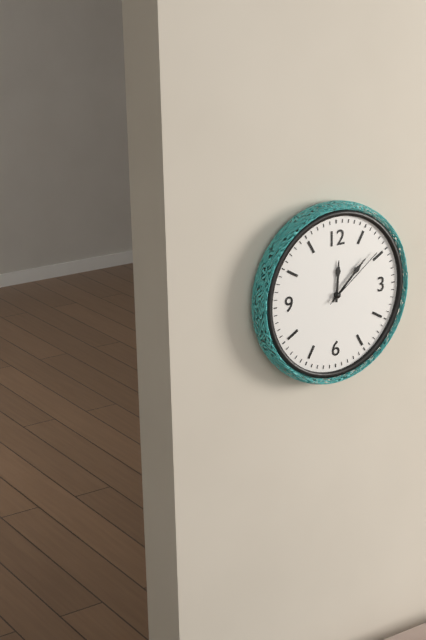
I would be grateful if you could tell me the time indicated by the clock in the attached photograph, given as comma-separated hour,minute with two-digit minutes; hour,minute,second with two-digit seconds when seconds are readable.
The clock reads 12,08,09
